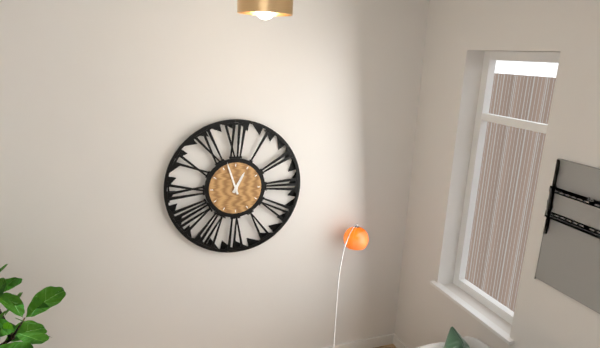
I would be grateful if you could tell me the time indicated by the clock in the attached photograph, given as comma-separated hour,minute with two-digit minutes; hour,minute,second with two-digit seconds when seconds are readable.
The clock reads 12,57
